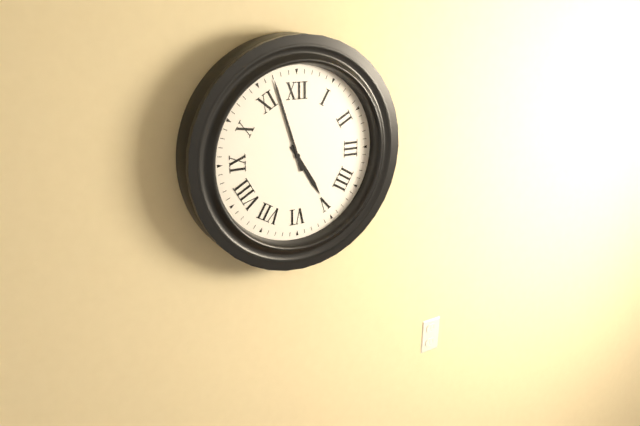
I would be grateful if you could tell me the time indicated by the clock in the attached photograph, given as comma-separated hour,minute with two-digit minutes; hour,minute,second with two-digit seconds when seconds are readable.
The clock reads 4,57
